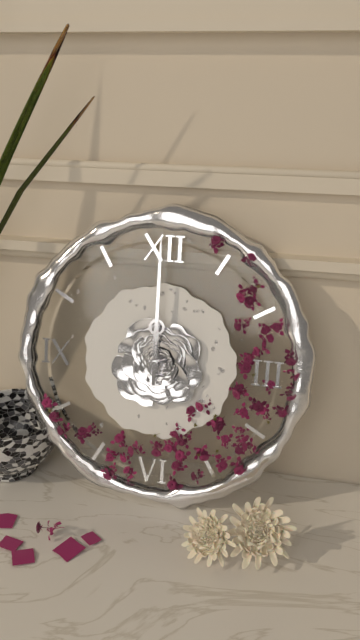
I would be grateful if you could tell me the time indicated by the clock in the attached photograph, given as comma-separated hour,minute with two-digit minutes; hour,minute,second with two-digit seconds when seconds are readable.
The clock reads 12,00
